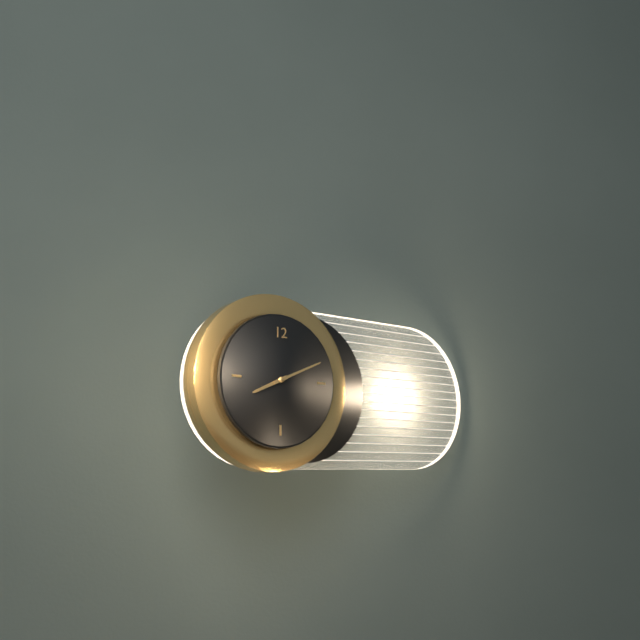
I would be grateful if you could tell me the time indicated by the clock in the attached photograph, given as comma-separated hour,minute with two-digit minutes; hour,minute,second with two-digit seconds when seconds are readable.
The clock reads 8,11
